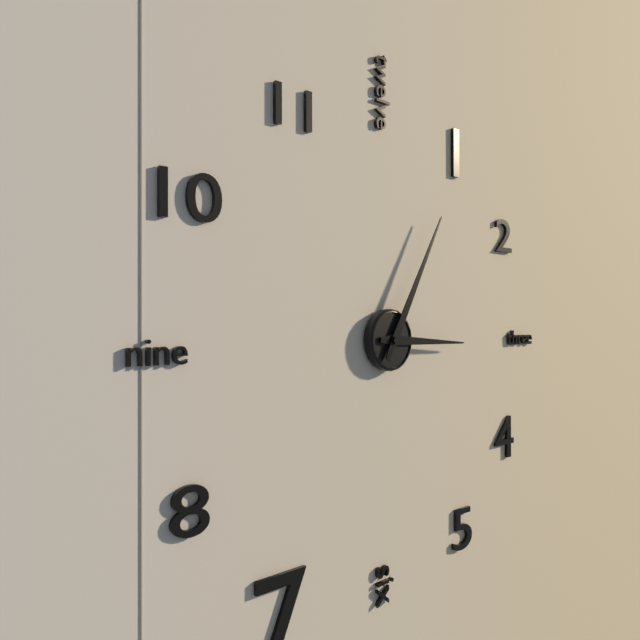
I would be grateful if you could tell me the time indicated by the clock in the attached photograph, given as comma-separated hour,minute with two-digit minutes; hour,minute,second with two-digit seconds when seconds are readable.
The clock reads 3,05
